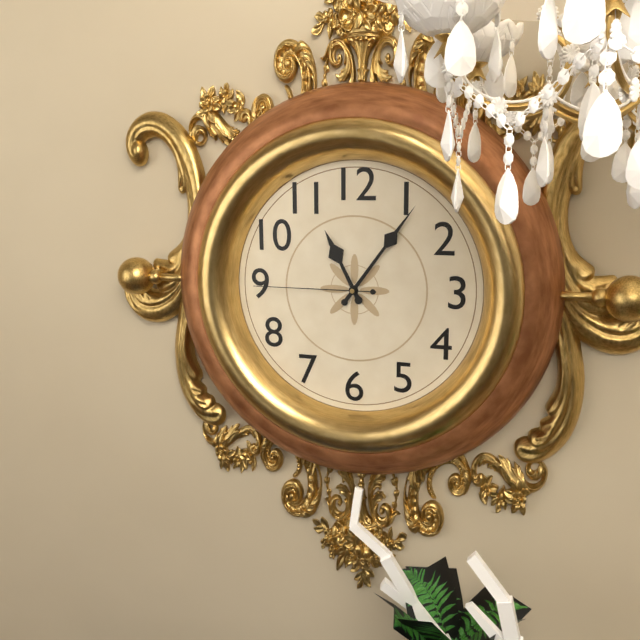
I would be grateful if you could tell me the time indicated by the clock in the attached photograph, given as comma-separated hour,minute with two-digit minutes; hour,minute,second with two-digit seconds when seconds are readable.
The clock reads 11,06,45
